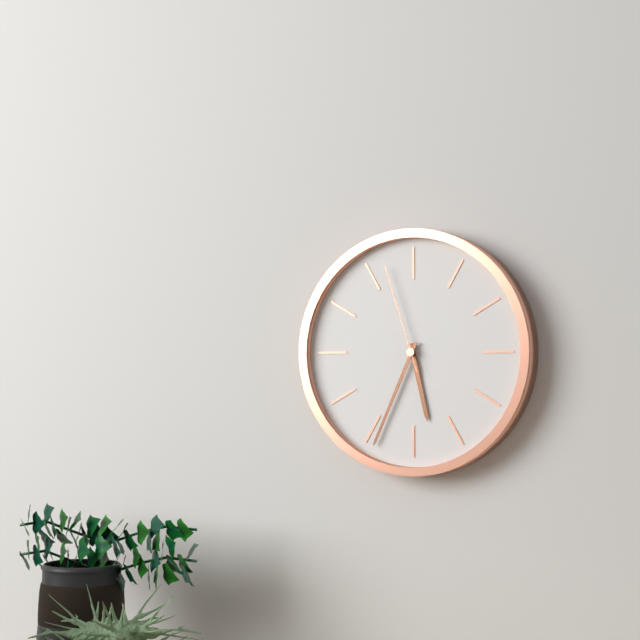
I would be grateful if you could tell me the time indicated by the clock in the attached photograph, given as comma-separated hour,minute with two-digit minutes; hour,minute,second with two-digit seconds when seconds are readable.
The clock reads 5,34,57
